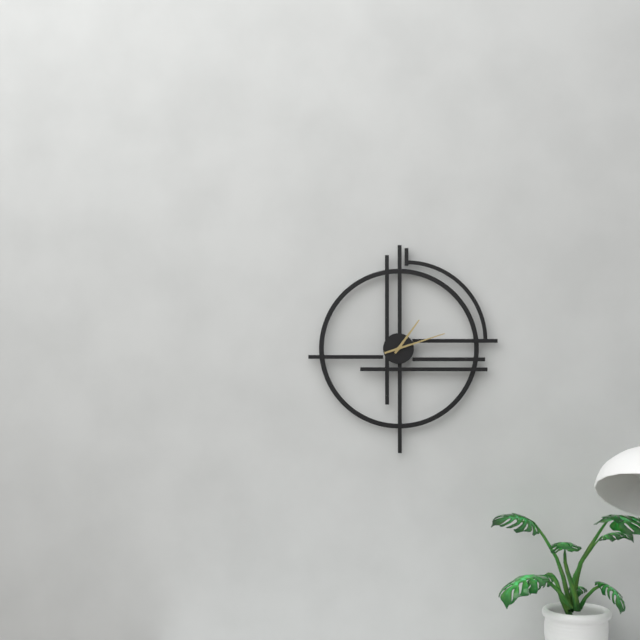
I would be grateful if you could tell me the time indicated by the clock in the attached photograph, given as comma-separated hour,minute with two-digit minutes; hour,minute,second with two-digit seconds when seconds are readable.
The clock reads 1,12
